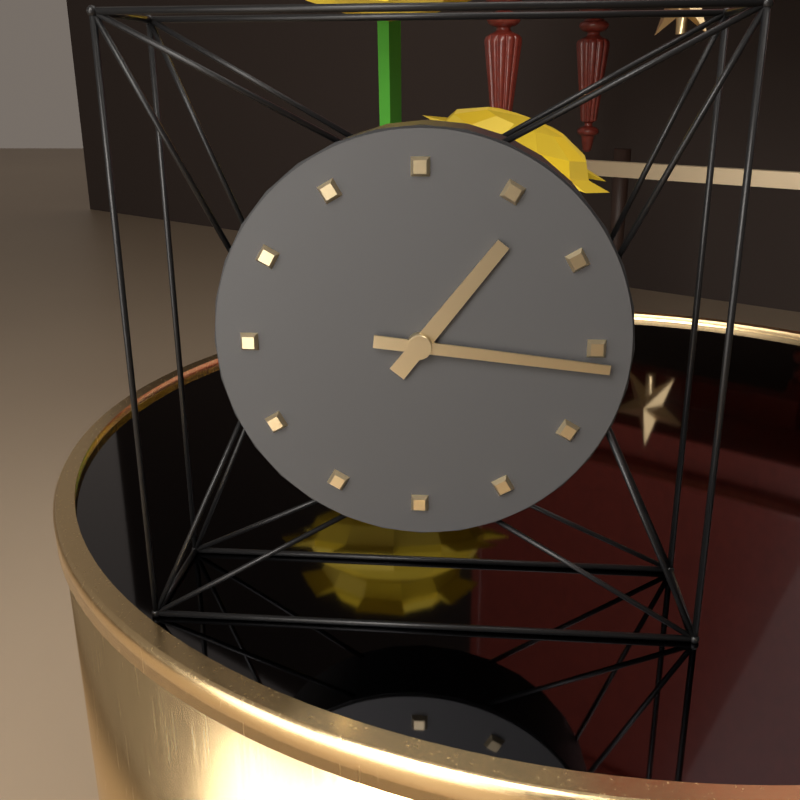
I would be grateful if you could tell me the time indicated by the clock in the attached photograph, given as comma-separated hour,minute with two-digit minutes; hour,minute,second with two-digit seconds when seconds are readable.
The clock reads 1,16
